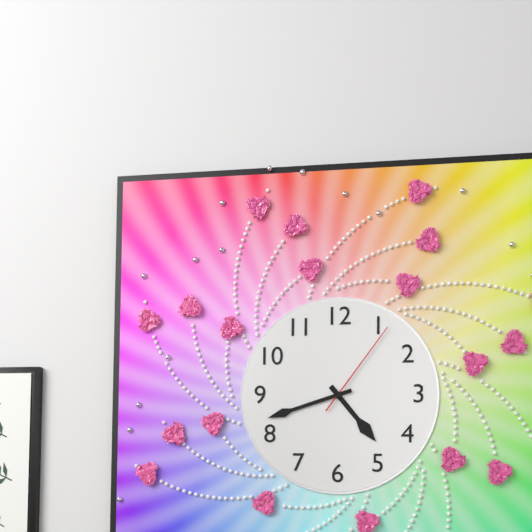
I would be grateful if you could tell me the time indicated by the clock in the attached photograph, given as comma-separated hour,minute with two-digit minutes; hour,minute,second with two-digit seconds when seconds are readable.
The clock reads 4,42,06
